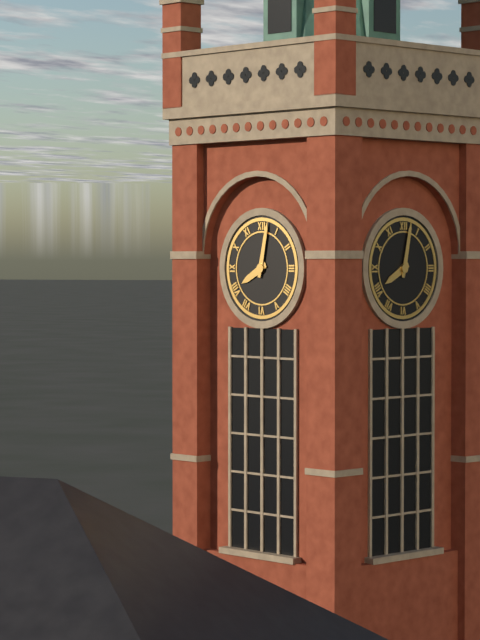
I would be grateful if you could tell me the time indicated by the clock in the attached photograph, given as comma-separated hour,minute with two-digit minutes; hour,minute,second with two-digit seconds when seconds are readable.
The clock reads 8,02
